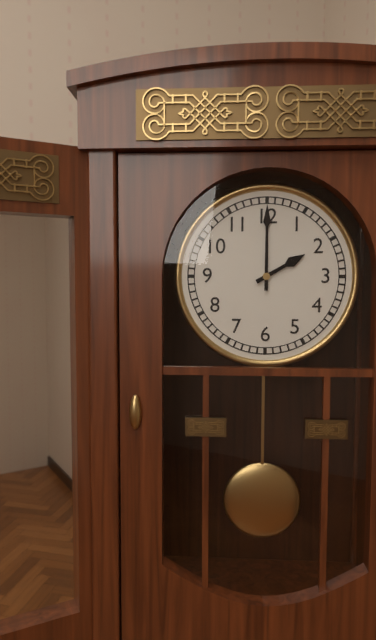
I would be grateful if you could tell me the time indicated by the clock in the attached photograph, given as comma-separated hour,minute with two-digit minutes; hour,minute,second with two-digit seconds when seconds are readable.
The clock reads 2,00
